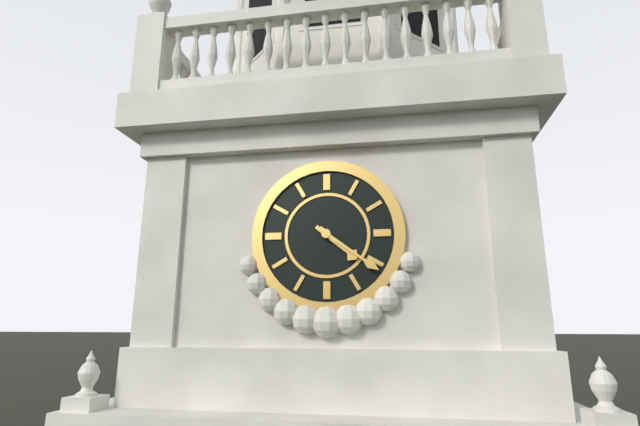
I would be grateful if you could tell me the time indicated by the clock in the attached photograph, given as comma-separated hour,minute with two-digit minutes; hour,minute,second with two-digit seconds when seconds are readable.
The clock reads 4,21
